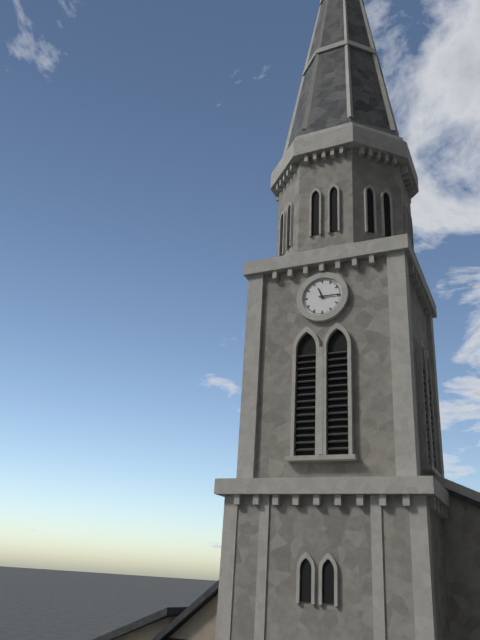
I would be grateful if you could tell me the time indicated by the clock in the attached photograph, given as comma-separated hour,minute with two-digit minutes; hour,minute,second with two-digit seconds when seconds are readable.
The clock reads 11,15
